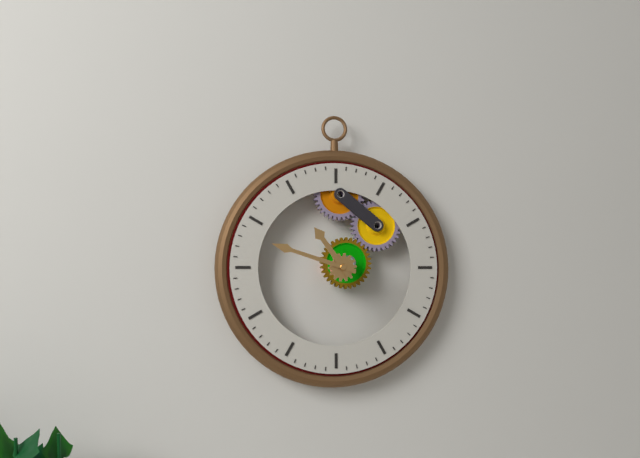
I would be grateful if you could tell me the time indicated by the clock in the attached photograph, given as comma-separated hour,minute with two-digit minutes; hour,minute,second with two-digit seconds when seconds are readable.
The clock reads 10,48
